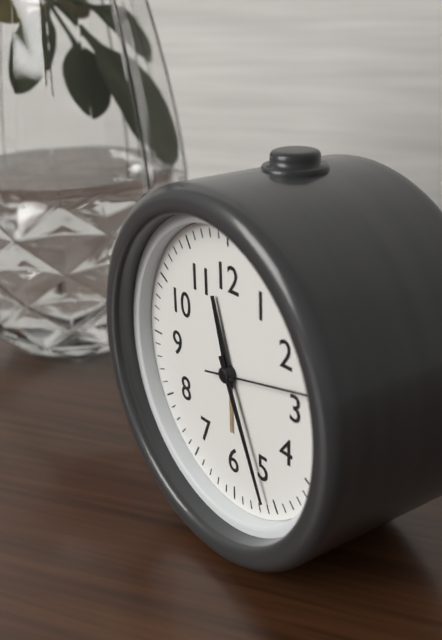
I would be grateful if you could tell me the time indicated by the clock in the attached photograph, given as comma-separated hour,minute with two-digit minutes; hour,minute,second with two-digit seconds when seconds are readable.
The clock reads 11,26,13
